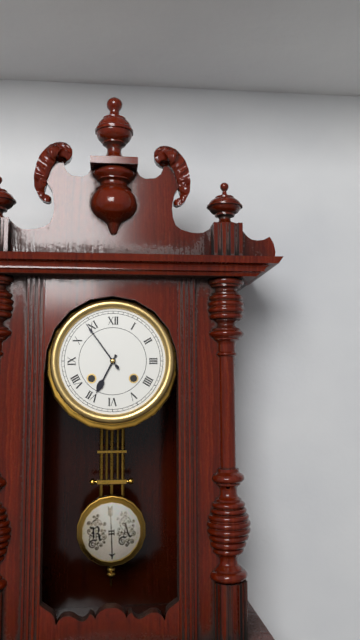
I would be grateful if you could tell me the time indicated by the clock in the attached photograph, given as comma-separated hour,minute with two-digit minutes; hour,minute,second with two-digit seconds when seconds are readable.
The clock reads 6,54
